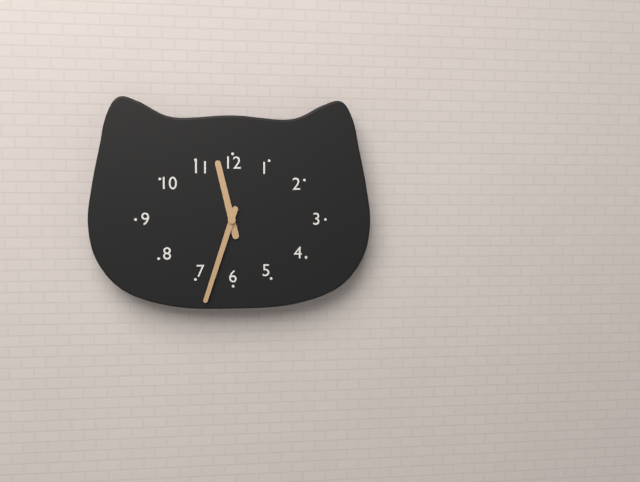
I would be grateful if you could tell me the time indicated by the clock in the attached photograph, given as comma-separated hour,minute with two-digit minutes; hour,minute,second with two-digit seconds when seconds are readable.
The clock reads 11,33
